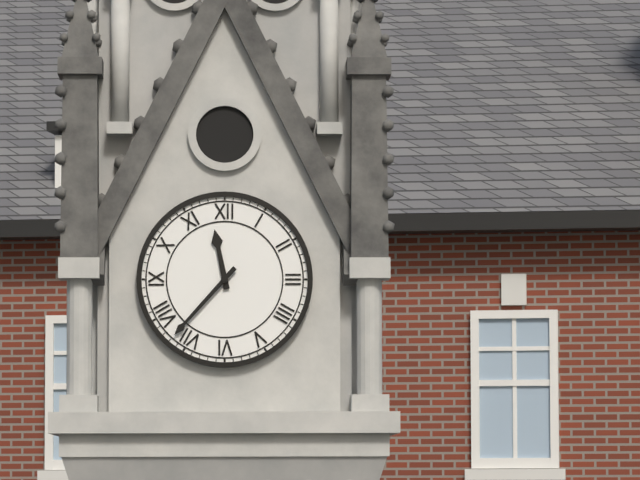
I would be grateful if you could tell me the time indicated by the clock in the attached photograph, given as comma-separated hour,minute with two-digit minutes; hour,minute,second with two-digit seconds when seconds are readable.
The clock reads 11,37
